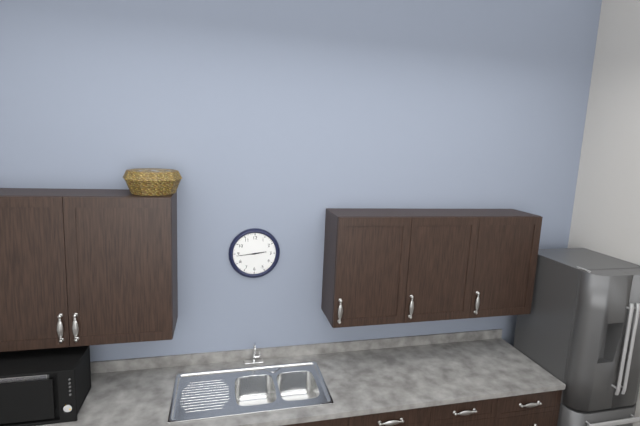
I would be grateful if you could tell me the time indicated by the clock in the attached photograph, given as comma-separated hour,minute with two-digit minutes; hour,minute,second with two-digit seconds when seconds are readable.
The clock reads 2,44
